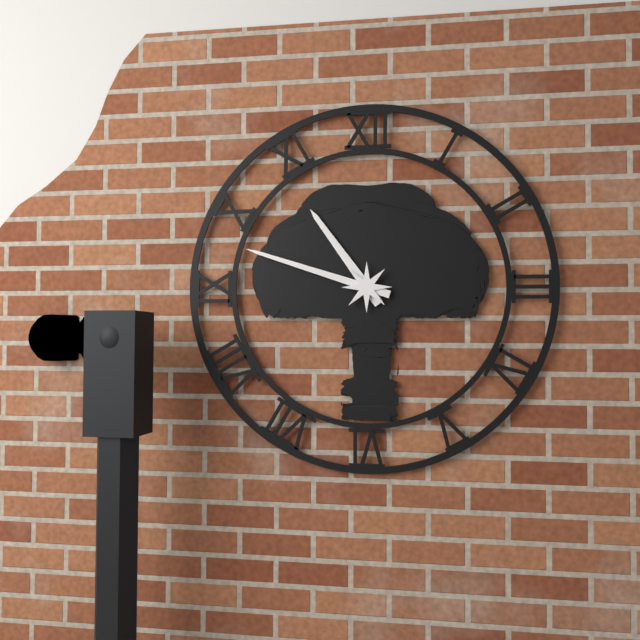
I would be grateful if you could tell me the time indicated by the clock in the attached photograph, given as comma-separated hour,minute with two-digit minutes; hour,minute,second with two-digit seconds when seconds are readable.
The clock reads 10,48
